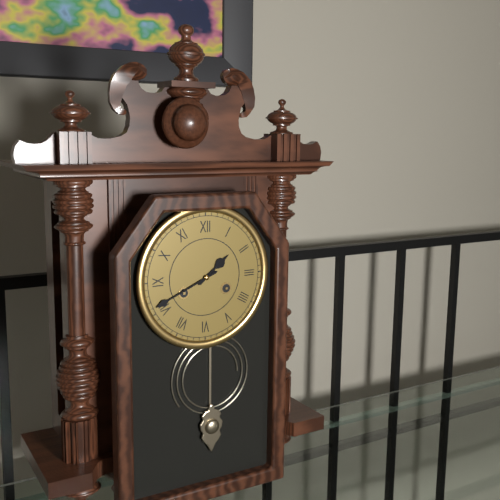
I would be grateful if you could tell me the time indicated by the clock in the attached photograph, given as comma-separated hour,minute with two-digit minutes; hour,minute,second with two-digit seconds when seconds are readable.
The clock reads 1,41
